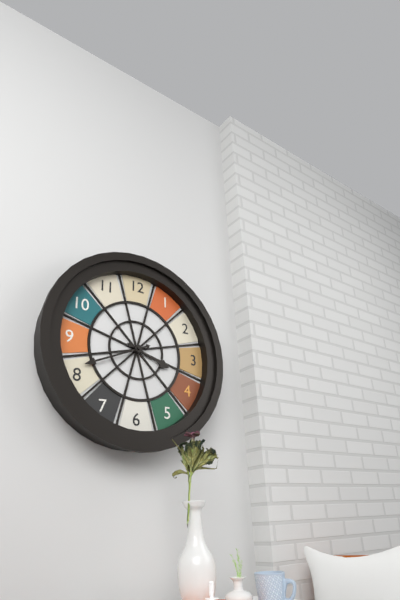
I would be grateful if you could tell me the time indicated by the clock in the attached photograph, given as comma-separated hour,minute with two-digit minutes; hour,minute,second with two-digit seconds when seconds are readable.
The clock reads 3,41
